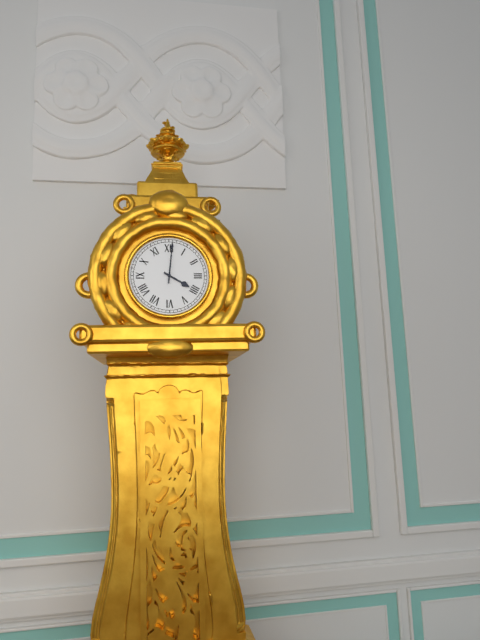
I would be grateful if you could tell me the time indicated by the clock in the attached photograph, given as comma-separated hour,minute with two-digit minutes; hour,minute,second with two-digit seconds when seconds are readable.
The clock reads 4,01
